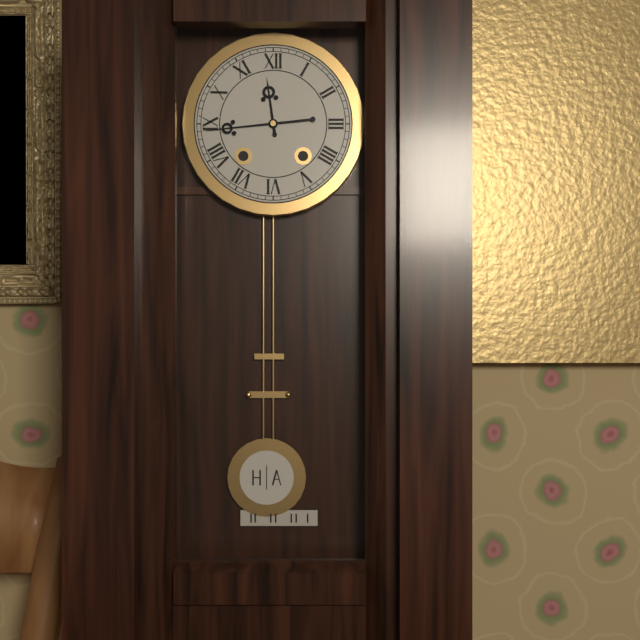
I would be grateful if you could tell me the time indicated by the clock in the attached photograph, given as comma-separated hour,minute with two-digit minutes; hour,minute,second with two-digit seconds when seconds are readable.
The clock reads 11,44
